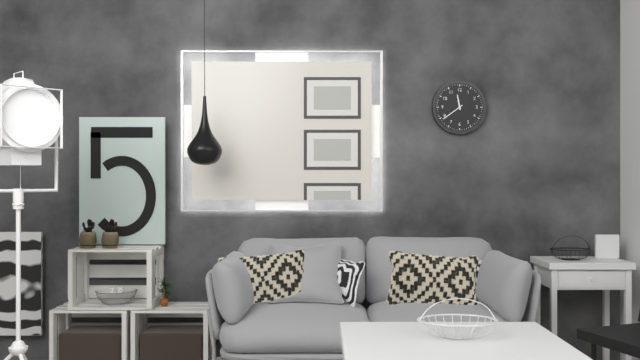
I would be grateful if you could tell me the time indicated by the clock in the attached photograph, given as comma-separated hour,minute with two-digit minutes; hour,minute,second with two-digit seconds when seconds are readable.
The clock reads 11,39
